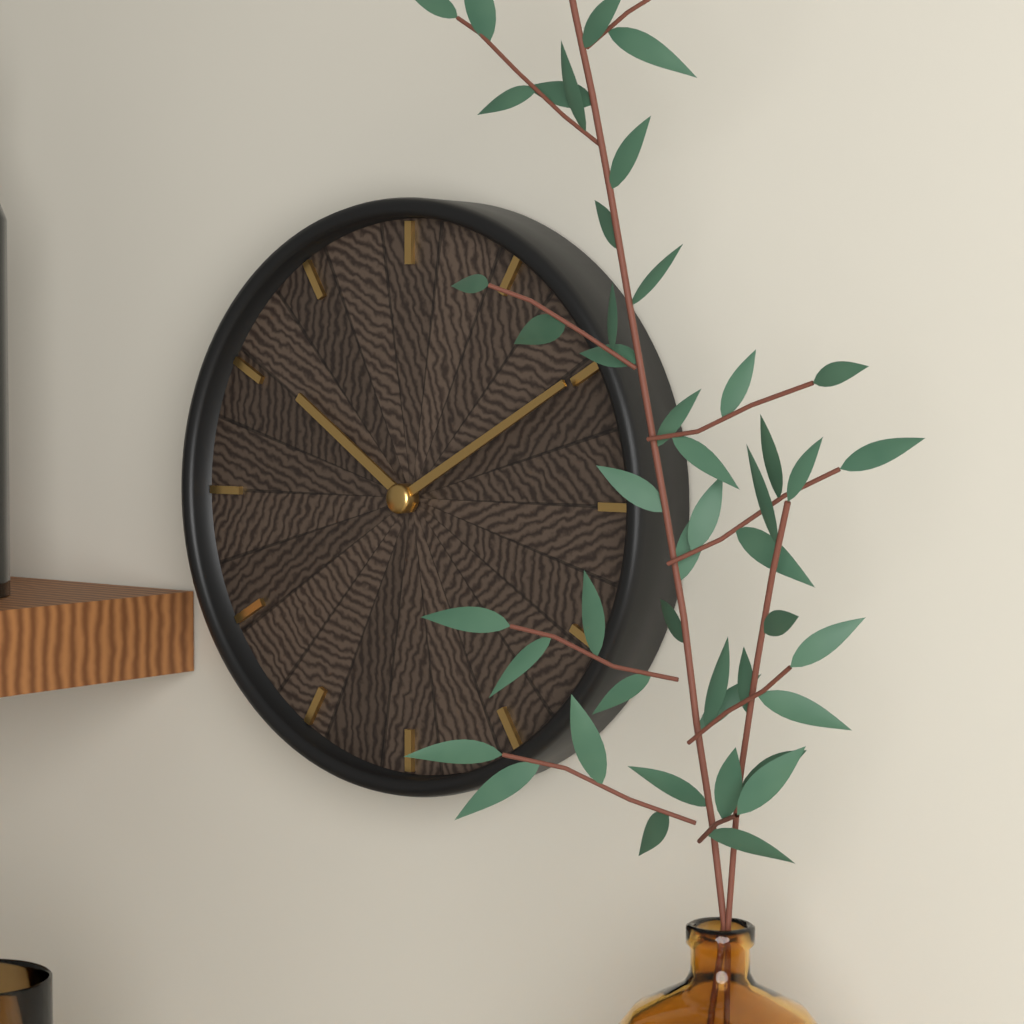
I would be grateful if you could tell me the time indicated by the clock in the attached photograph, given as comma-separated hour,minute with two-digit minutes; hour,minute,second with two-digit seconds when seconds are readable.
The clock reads 10,10
